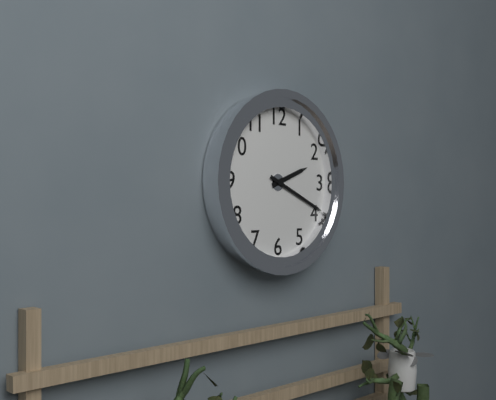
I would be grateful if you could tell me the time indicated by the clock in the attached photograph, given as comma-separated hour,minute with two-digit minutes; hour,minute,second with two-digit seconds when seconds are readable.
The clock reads 2,19
